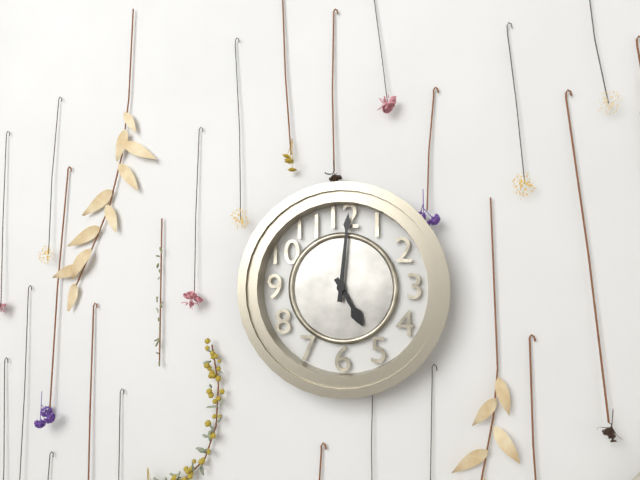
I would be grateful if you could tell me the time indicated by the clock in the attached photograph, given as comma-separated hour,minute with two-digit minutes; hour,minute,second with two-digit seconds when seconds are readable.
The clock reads 5,01
